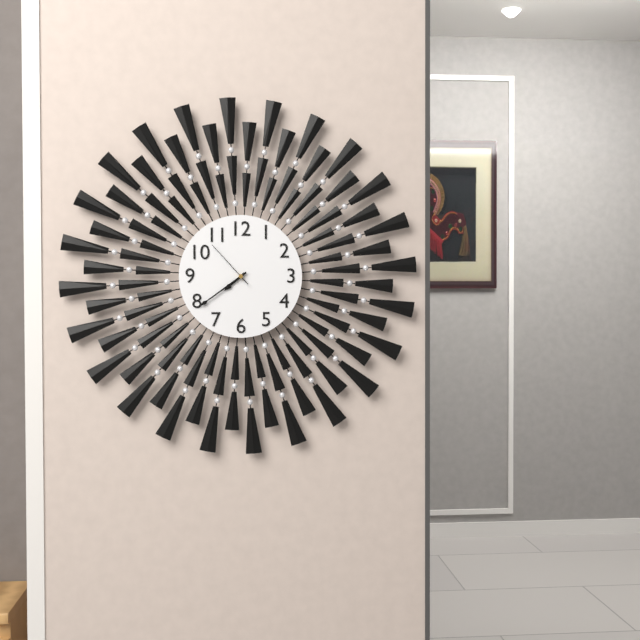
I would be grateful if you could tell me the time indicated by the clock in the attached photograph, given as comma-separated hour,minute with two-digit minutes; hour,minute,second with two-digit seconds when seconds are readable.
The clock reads 7,39,53
